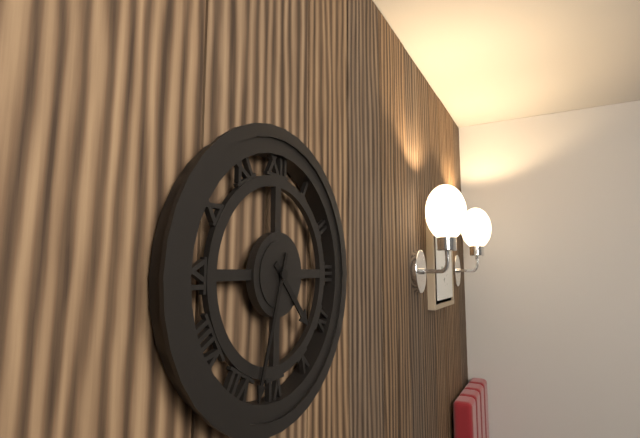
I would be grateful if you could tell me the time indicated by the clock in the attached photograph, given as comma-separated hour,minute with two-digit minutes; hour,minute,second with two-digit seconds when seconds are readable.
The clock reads 4,33
